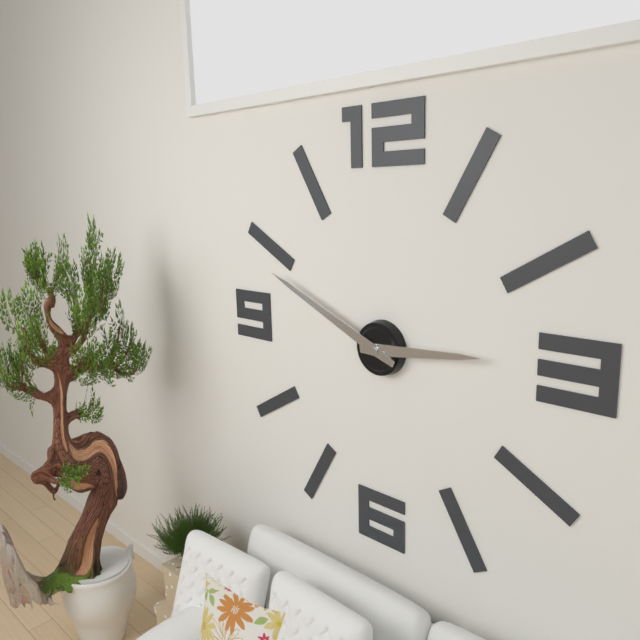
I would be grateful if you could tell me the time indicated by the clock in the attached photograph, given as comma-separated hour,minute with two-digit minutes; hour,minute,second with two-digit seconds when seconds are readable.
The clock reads 2,49
